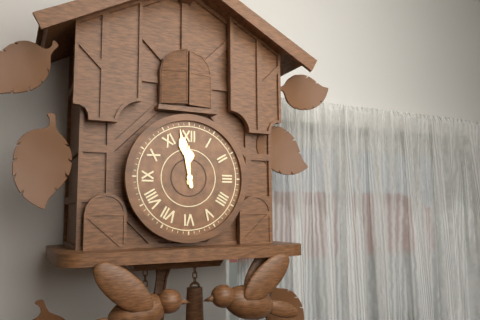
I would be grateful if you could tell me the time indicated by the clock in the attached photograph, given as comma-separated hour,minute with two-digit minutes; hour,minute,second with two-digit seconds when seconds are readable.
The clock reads 11,58
